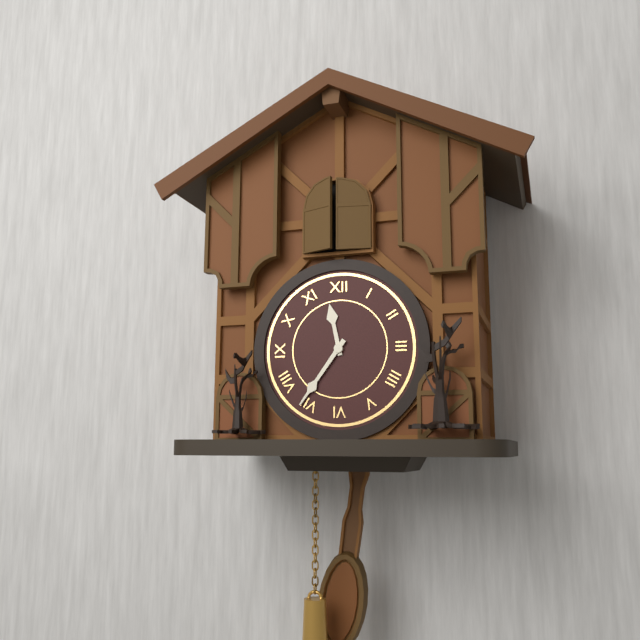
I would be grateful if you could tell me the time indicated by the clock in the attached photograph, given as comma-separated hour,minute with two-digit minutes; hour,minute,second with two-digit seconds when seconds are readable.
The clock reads 11,36
